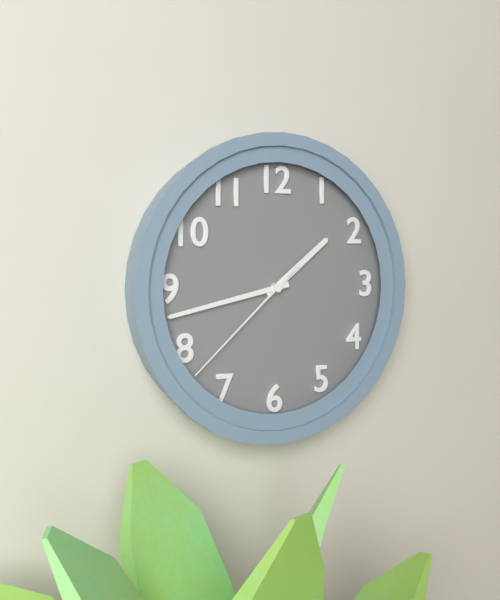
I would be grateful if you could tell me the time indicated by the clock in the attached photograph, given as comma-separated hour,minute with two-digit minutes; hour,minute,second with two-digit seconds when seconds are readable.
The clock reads 1,43,38
